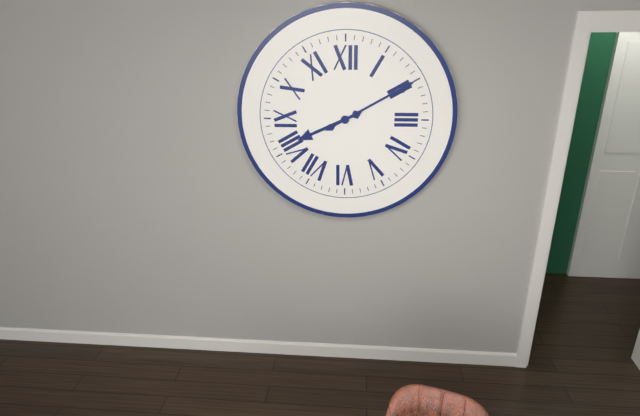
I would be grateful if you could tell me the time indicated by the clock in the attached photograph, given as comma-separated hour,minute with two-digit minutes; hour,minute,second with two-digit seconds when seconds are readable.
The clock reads 8,10
